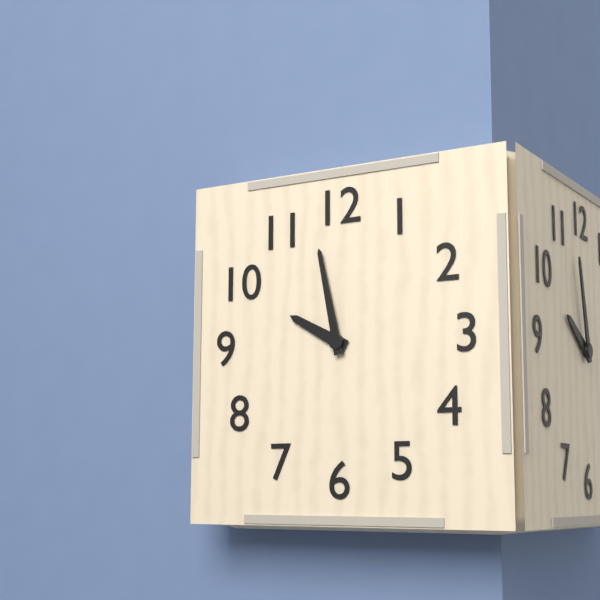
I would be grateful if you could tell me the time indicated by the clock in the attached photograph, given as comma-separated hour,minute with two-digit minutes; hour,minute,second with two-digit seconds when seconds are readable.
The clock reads 9,58
